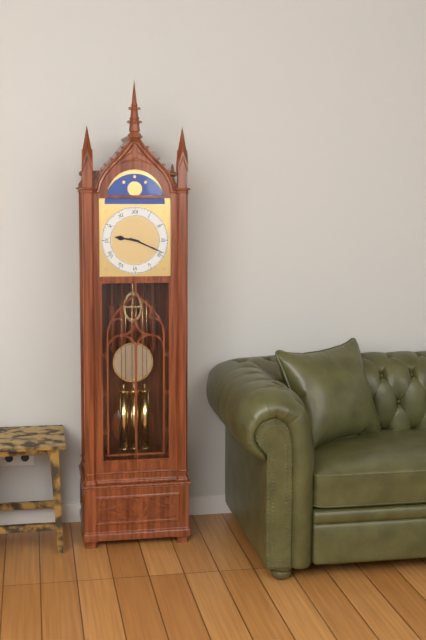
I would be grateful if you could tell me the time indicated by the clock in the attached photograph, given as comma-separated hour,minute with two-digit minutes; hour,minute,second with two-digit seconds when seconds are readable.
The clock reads 9,19
